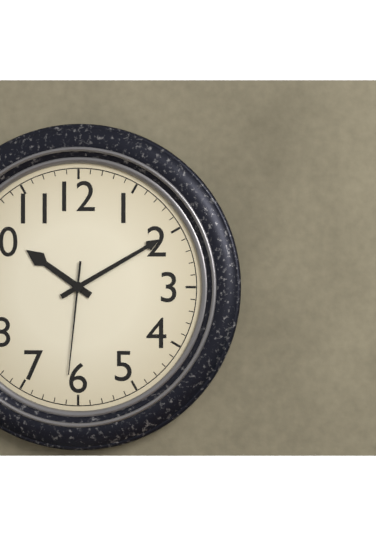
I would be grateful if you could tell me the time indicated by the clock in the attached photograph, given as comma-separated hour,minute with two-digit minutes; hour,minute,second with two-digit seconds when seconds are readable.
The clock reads 10,10,31
